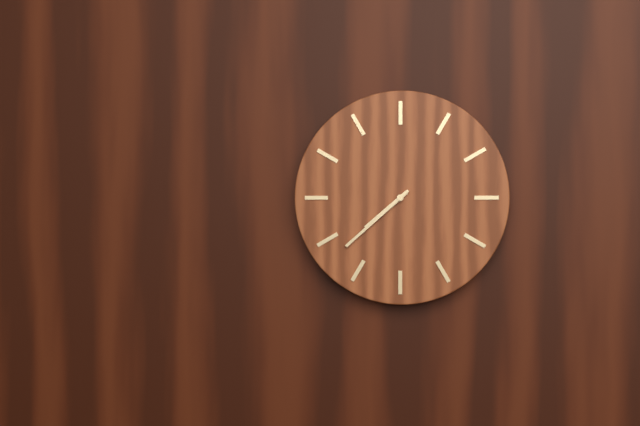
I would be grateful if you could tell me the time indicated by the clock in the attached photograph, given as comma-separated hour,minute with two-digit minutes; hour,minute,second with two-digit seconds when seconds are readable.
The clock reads 7,38
